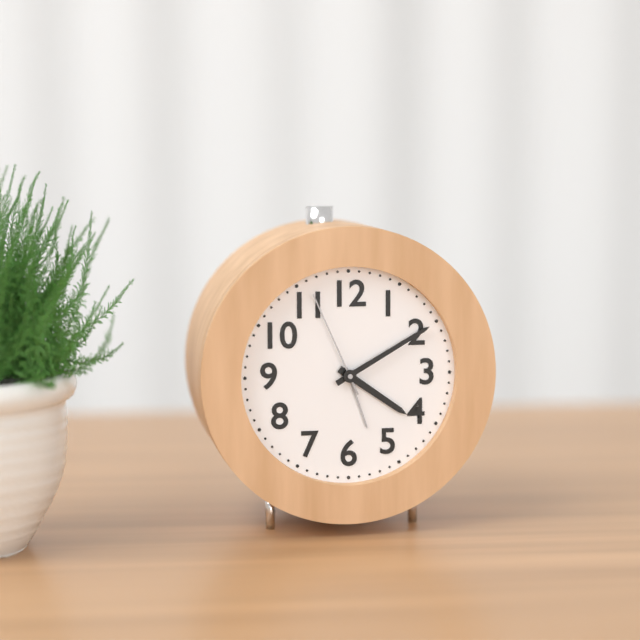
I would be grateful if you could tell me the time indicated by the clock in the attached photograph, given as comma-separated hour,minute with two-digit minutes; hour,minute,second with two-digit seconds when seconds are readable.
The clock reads 4,10,56
